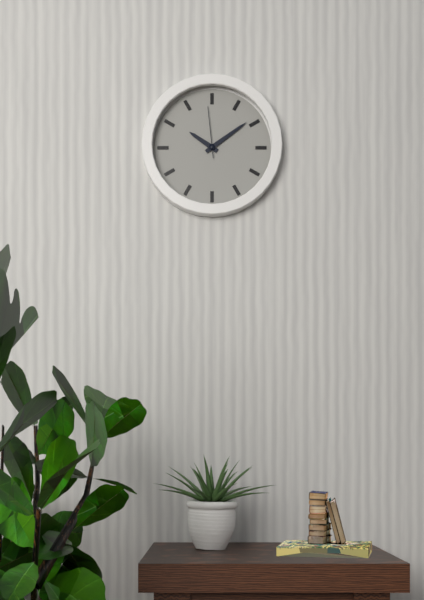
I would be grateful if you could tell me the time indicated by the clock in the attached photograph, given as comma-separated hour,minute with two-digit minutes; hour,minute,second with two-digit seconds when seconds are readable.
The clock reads 10,09,59
